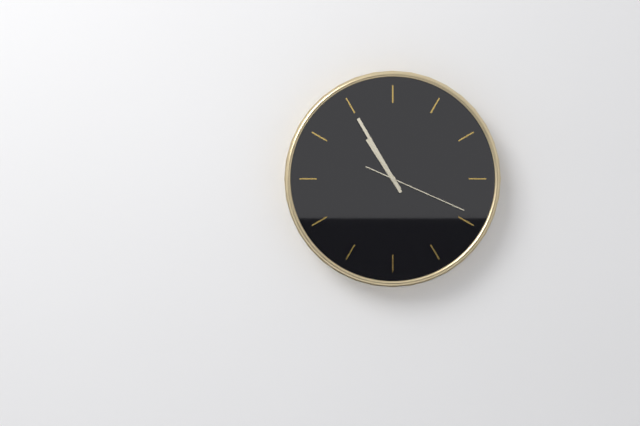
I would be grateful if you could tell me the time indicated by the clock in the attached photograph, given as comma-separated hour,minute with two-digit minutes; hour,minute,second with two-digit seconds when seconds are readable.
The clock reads 10,55,19
